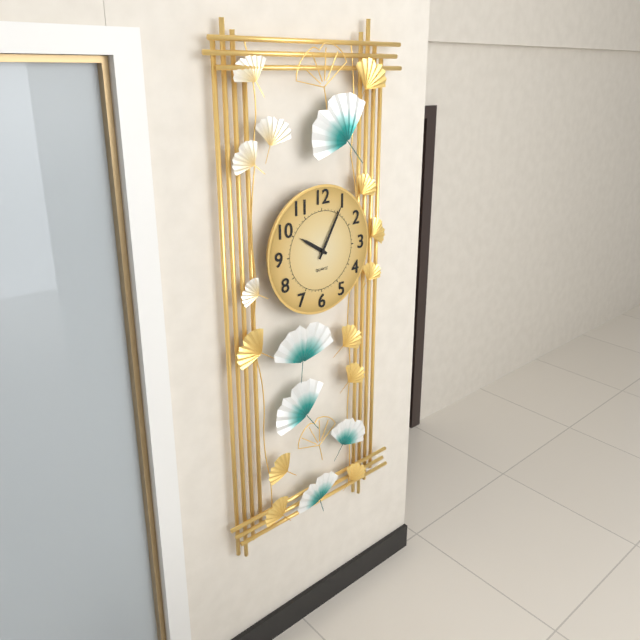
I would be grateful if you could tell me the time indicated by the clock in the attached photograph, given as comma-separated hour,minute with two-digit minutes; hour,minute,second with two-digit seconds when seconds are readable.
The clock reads 10,05
